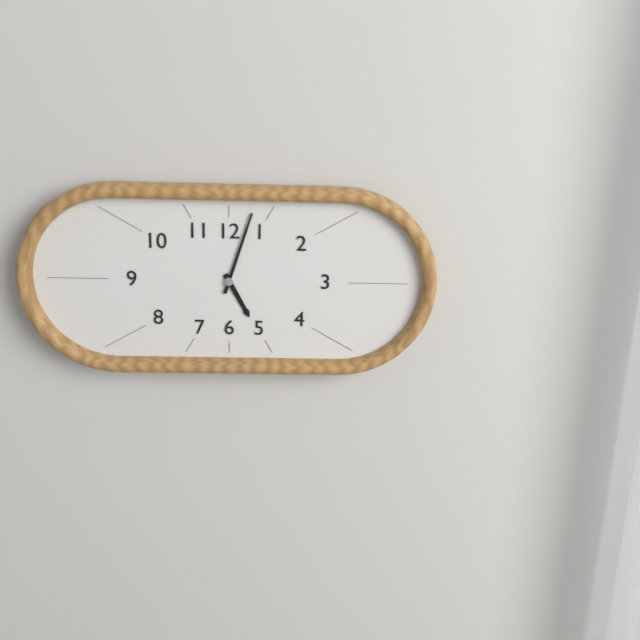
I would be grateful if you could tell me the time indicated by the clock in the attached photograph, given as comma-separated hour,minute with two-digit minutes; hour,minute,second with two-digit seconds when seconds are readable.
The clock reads 5,03
